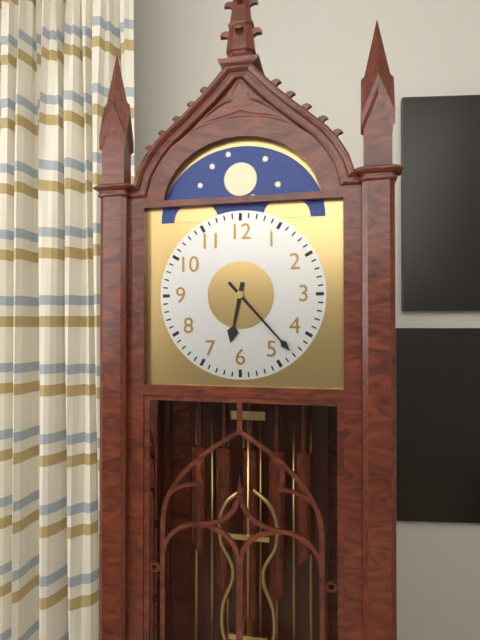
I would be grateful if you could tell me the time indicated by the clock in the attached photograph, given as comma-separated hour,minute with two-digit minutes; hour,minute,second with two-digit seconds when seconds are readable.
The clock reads 6,23
